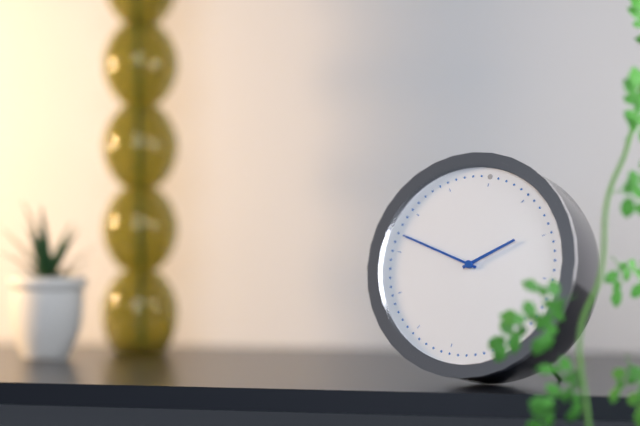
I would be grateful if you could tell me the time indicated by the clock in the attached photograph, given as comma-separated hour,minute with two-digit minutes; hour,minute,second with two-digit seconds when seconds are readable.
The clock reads 1,47
